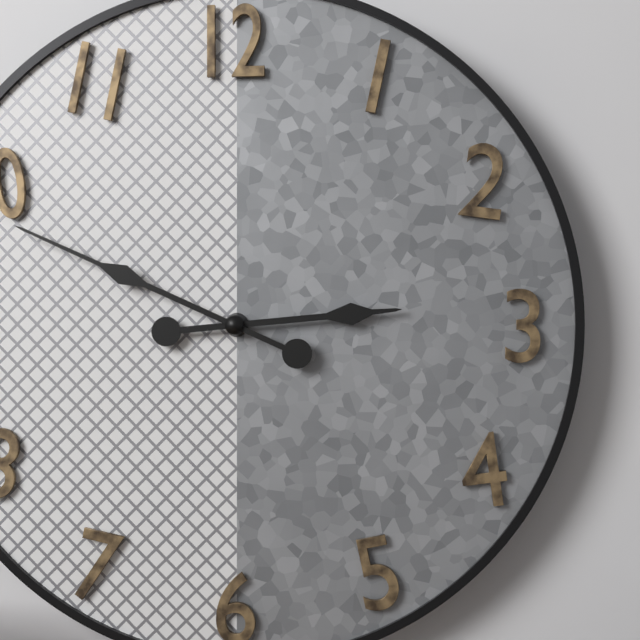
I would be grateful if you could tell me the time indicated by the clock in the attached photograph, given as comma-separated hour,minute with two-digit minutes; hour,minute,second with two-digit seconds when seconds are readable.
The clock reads 2,49
